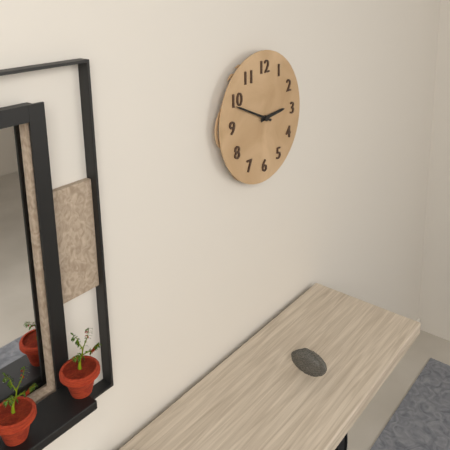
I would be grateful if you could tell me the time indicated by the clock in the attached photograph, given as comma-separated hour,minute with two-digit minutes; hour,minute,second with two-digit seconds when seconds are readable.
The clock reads 2,49
